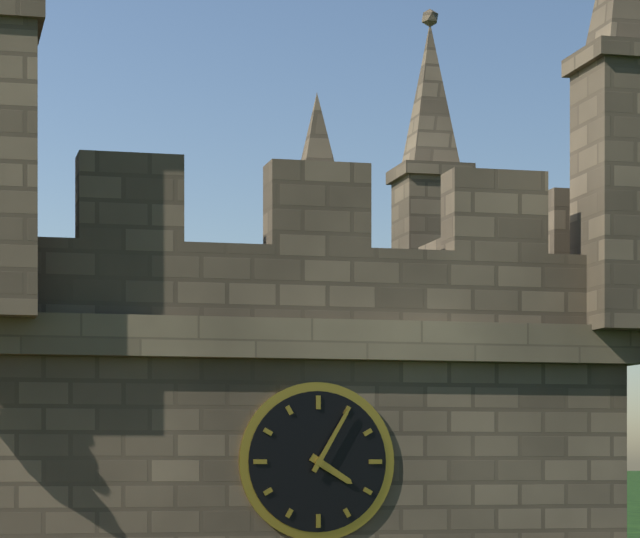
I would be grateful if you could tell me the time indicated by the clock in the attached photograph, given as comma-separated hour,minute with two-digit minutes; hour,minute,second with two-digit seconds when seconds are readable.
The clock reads 4,05
